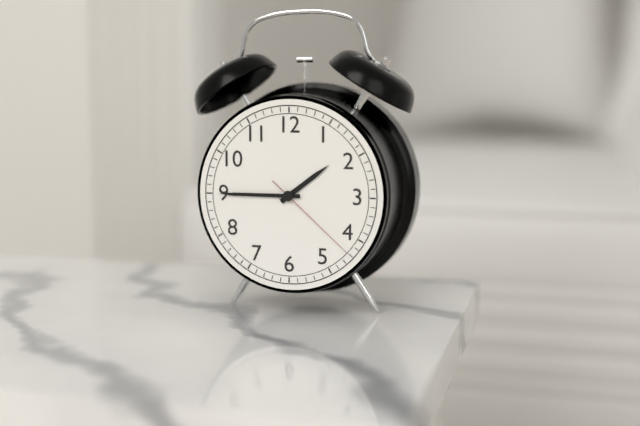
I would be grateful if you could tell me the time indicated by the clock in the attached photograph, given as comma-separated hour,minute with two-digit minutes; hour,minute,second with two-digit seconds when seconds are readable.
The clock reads 1,45,22
